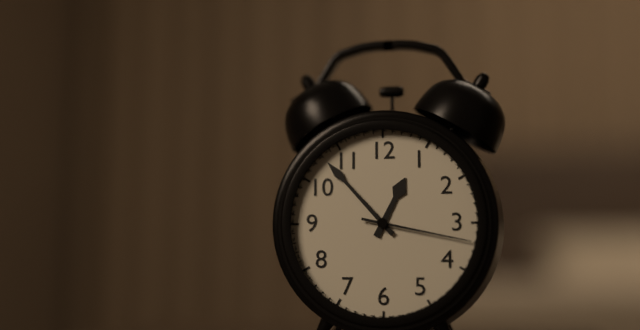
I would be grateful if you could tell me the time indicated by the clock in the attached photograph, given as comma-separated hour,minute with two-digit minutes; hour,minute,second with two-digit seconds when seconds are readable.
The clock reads 12,53,17
